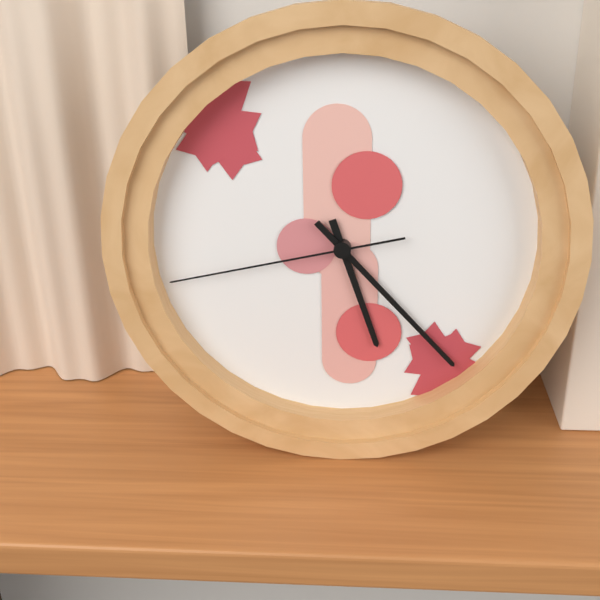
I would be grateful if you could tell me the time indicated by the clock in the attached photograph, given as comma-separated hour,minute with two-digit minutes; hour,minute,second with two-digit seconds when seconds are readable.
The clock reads 5,23,43
